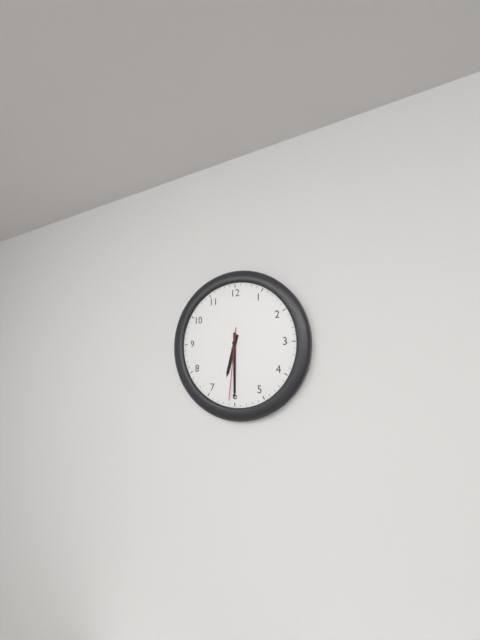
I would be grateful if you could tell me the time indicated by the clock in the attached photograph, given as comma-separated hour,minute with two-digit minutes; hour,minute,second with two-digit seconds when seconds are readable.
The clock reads 6,30,31
